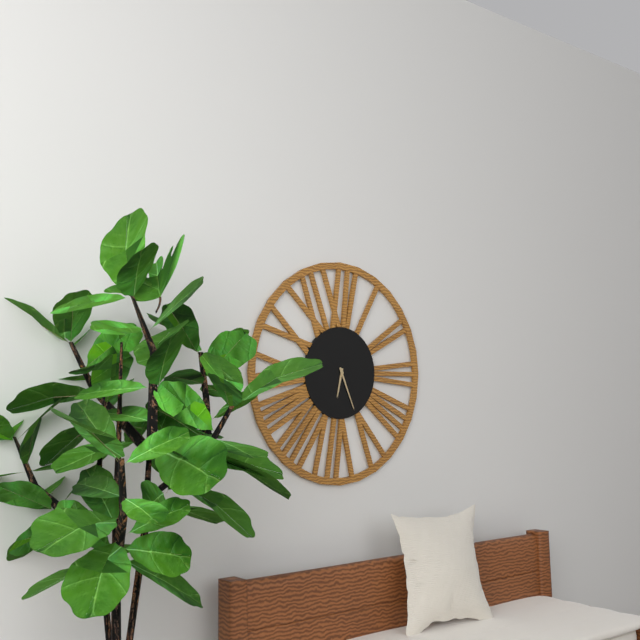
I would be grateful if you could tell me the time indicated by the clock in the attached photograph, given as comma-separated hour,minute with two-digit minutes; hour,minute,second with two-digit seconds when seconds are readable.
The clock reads 6,26
